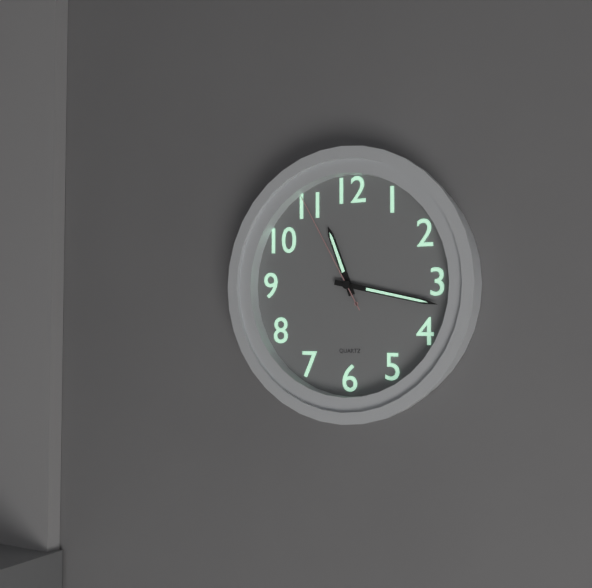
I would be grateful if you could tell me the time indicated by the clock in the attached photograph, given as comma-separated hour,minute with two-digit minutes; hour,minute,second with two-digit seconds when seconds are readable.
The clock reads 11,17,55
